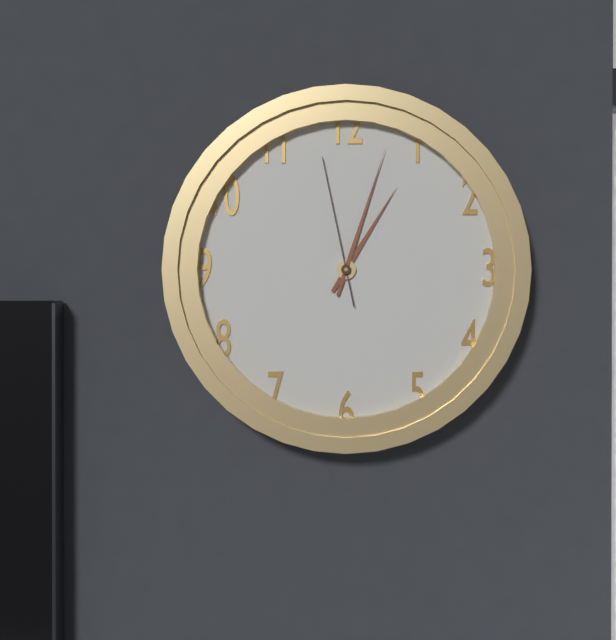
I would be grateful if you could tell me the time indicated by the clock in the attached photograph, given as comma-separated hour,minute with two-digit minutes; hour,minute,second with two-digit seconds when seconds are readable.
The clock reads 1,03,58
